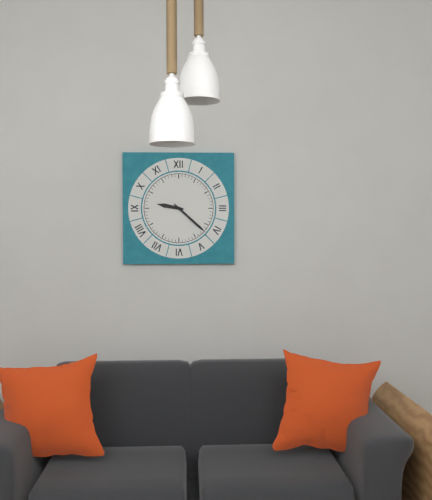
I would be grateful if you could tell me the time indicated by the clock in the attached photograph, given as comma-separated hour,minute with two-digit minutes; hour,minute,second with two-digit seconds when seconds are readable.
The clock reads 9,22
